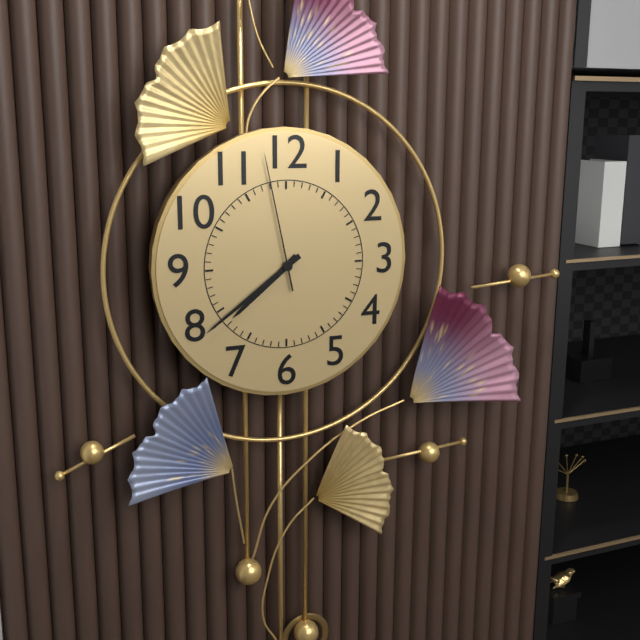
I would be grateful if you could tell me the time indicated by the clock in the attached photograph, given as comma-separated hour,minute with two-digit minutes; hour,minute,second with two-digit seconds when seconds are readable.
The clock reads 7,39,58
